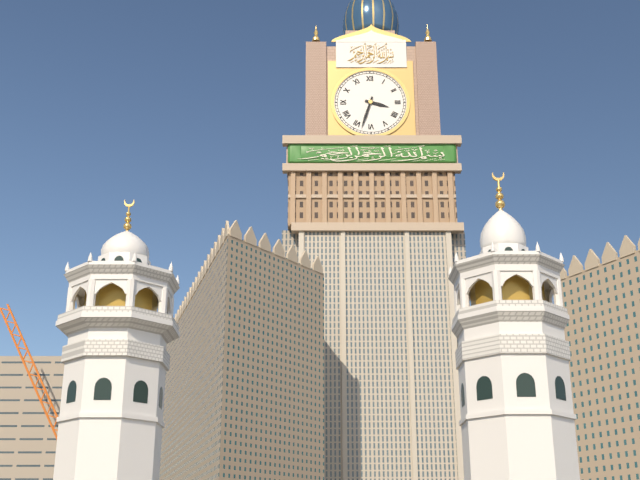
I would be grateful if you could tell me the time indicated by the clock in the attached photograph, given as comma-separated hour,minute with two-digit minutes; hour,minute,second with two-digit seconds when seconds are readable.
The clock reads 3,33
